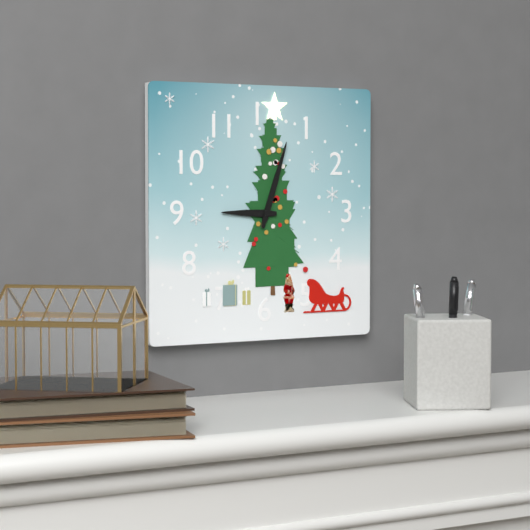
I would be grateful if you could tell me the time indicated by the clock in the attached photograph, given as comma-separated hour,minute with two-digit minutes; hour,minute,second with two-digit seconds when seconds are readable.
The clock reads 9,03
